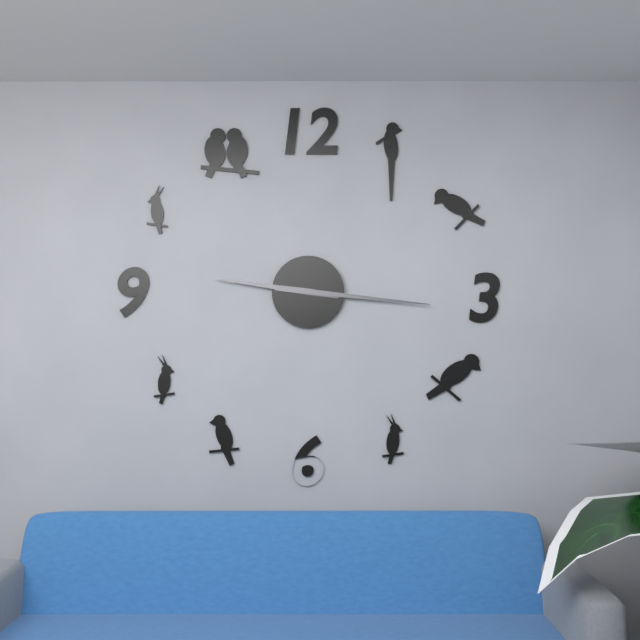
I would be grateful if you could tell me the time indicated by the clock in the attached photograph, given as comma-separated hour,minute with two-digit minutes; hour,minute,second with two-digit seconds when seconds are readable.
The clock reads 9,16
